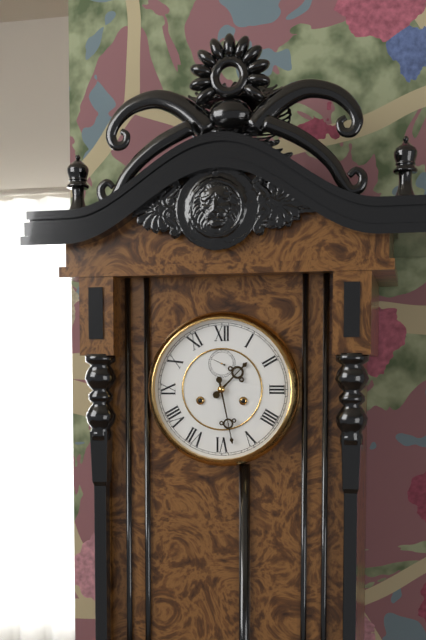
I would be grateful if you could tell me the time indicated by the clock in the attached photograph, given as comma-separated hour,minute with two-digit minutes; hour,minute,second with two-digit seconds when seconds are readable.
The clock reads 1,28
